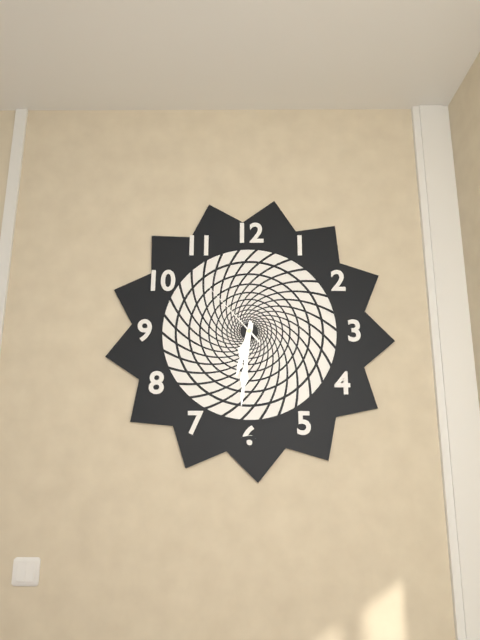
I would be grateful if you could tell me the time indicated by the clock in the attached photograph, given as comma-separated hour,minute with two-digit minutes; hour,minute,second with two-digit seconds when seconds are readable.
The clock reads 6,31,53
